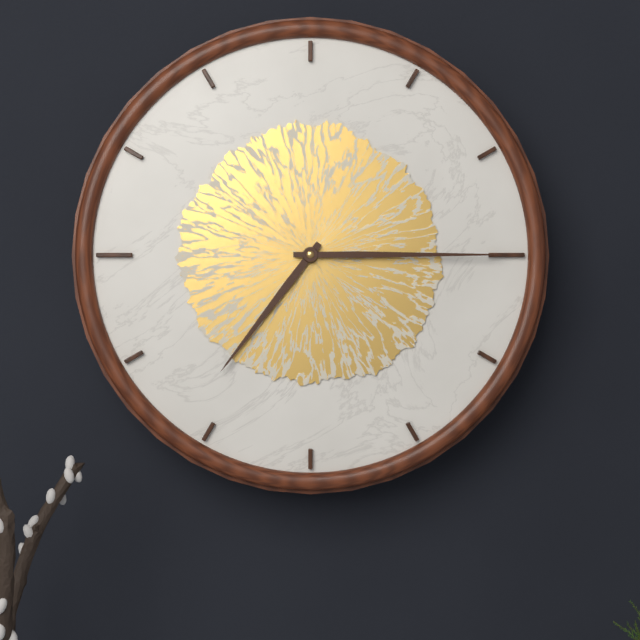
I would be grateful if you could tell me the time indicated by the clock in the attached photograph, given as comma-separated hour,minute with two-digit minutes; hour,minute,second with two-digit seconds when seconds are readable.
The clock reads 7,15
